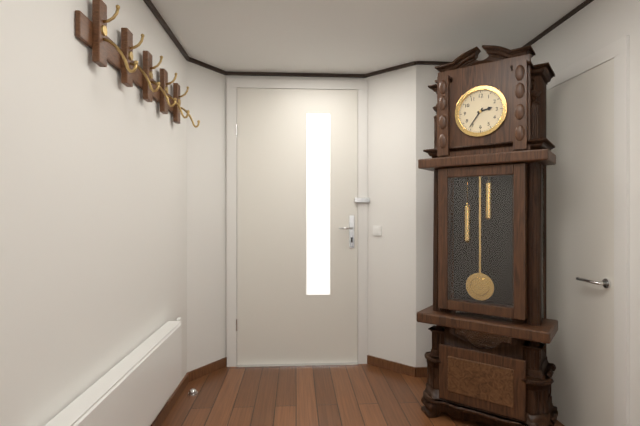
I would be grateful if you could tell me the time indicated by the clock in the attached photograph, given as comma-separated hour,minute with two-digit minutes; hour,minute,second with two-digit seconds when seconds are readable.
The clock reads 2,36
